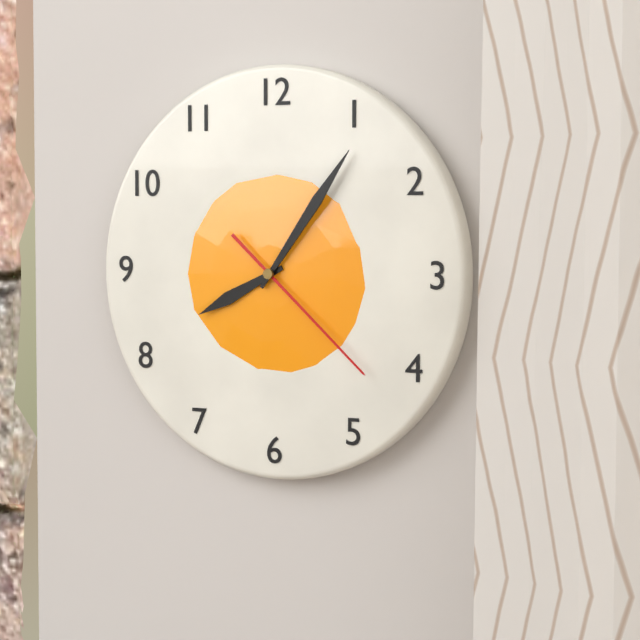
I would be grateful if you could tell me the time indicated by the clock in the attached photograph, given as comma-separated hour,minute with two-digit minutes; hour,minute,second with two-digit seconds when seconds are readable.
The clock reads 8,06,22
